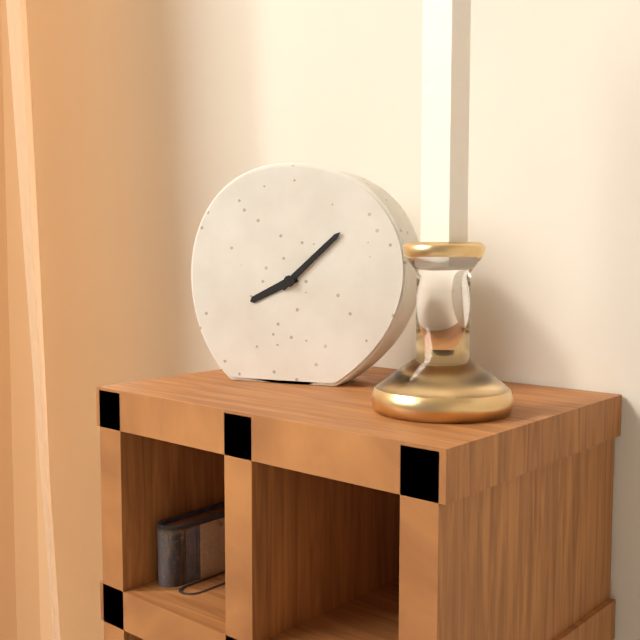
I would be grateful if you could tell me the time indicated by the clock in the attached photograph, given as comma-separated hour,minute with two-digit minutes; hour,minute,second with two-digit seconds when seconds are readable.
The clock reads 8,08
